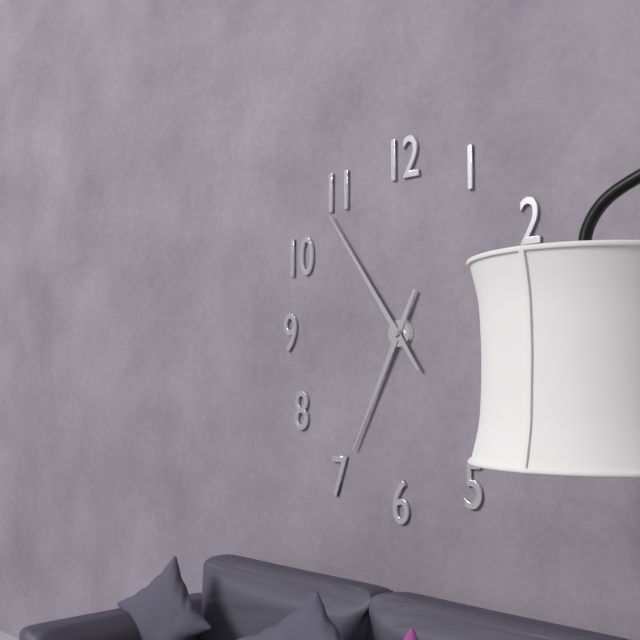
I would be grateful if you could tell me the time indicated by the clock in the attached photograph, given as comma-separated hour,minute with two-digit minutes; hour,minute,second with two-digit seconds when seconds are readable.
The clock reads 6,54
